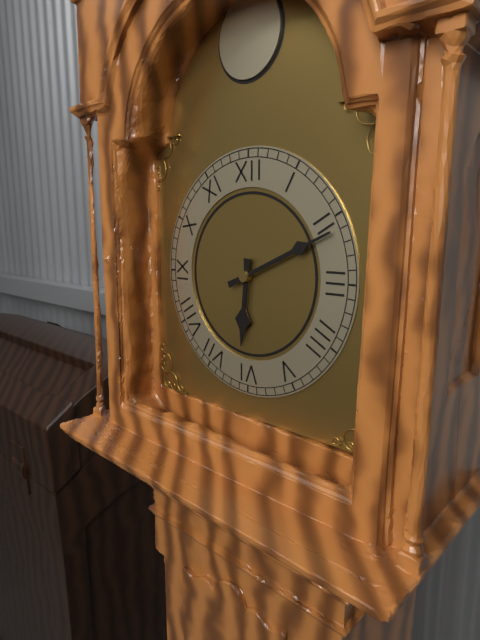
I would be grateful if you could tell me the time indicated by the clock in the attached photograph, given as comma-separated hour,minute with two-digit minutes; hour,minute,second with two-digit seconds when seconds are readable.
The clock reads 6,11
